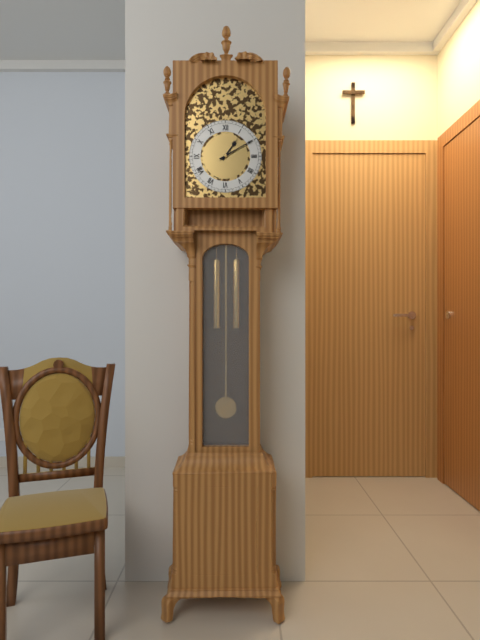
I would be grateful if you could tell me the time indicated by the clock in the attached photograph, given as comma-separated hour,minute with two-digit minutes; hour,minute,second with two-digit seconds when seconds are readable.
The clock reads 1,10
